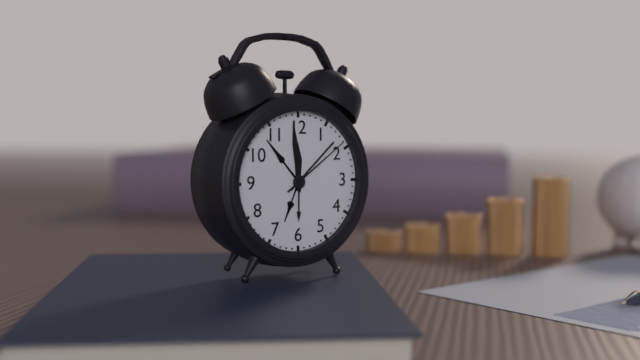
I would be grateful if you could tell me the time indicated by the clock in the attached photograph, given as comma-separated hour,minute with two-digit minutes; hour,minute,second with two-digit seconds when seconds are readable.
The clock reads 11,59,09
